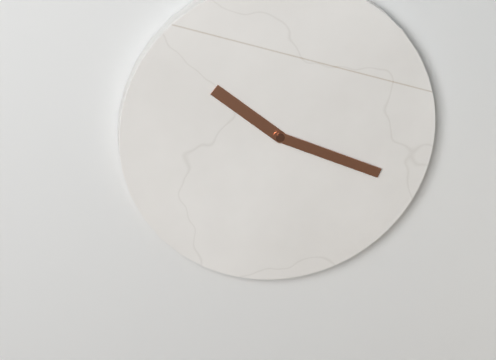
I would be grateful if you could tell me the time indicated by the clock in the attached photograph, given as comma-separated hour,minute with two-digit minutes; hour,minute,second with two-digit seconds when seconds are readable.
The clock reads 10,19
